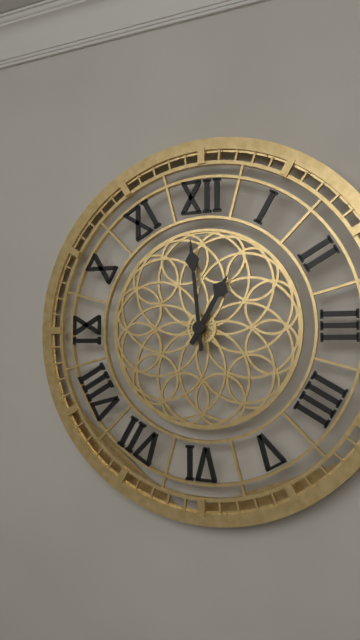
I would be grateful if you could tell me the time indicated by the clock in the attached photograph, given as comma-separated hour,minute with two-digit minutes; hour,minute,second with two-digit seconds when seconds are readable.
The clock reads 12,59
